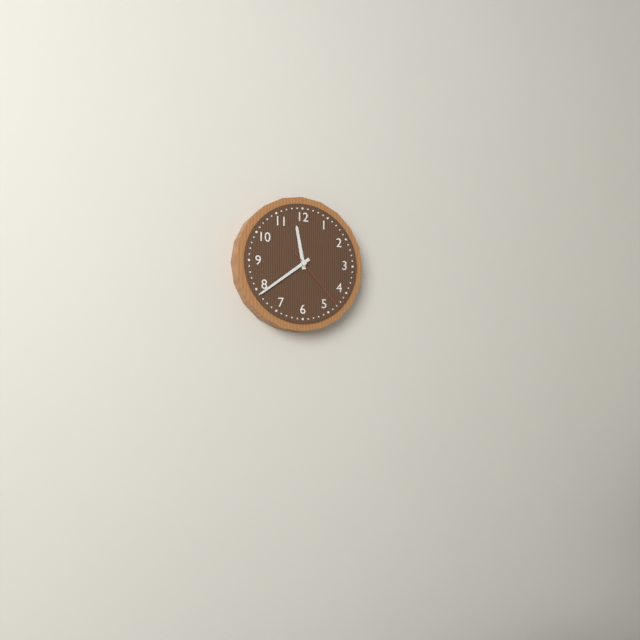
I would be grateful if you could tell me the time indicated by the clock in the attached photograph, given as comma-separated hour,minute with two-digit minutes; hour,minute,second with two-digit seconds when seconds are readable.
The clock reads 11,39,23
